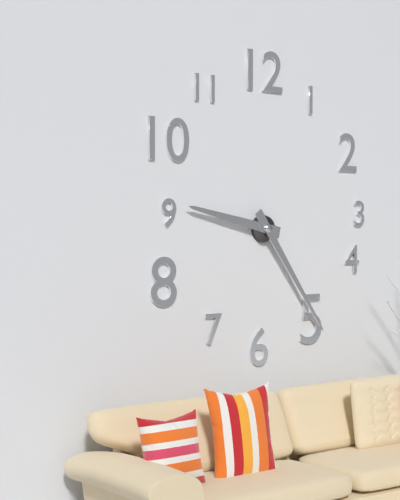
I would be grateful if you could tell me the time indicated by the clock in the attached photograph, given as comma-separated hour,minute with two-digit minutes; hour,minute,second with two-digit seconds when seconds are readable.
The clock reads 9,24
